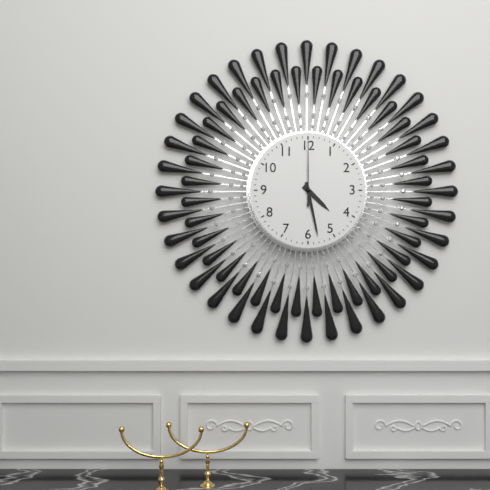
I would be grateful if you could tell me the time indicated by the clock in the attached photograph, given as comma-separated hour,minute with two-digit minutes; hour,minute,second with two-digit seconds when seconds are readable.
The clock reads 4,28,00
